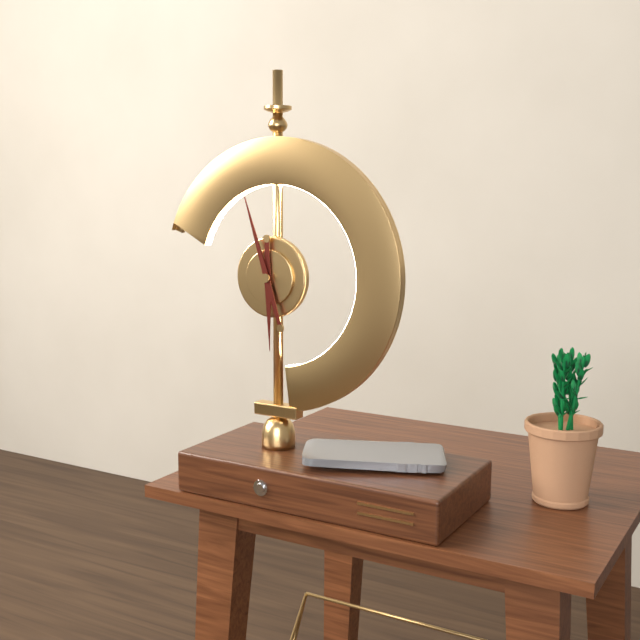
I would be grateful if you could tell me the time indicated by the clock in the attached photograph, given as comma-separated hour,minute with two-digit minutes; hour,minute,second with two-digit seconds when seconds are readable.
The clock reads 5,57
